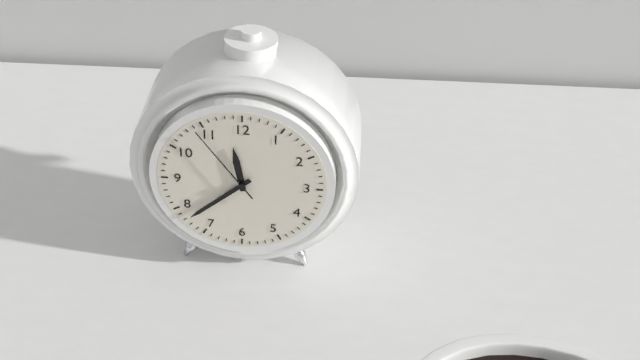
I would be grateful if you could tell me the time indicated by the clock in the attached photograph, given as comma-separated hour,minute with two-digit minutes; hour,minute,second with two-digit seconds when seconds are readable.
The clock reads 11,38,54
